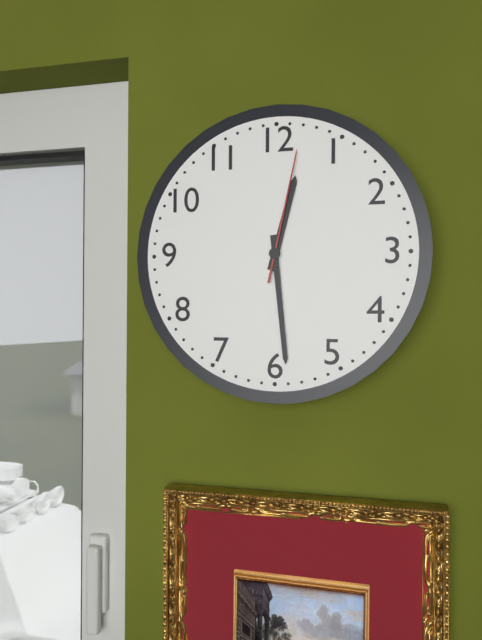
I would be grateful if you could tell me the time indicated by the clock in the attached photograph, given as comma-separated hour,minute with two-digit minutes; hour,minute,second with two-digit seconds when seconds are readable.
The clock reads 12,29,02
